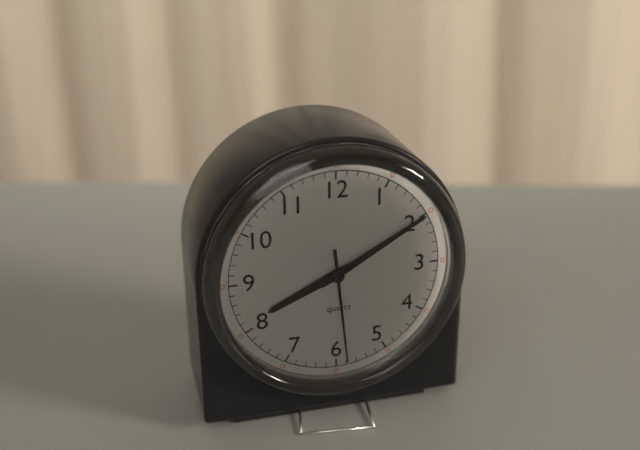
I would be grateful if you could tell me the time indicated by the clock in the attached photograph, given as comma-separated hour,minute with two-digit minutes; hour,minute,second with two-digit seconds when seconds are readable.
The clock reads 8,10,29
